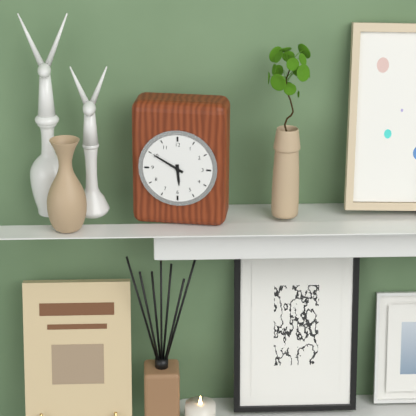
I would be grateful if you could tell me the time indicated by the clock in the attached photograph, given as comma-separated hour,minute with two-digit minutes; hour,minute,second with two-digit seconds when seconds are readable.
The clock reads 5,50
